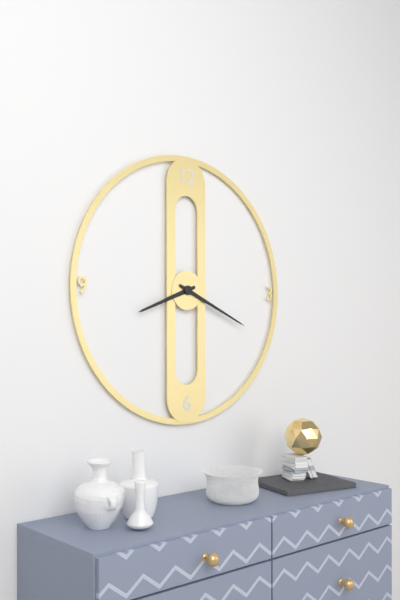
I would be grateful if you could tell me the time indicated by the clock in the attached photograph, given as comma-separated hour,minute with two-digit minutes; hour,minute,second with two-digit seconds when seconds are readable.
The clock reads 8,19
